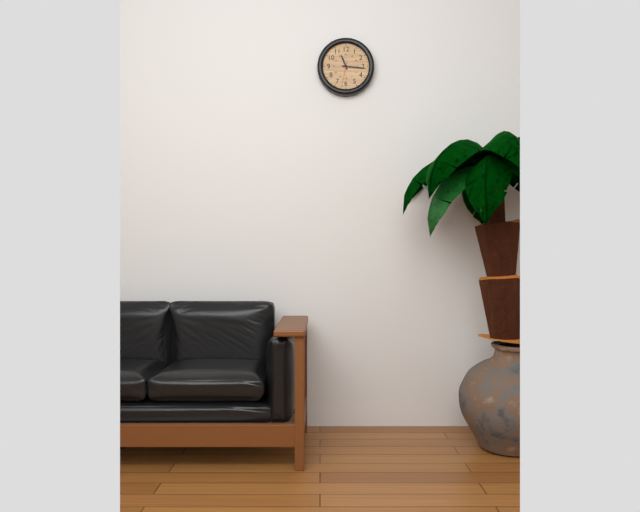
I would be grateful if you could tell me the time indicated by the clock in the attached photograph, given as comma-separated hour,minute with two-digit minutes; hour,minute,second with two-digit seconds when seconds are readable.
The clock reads 11,16
